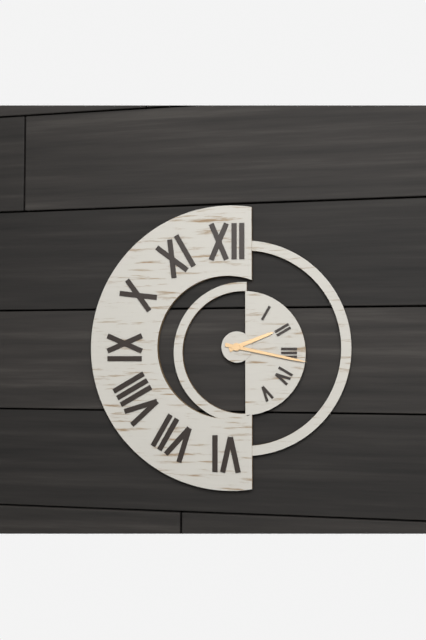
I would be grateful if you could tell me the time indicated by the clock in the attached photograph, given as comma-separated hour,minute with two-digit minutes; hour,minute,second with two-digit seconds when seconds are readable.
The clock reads 2,17
